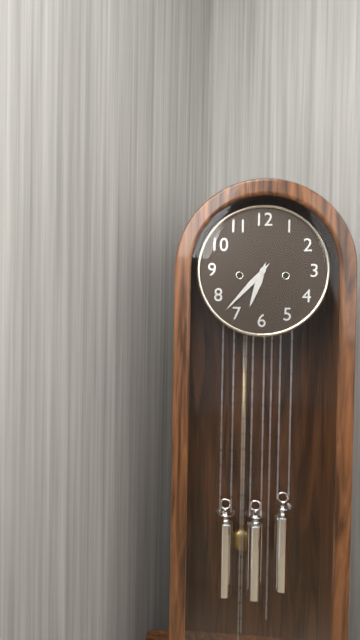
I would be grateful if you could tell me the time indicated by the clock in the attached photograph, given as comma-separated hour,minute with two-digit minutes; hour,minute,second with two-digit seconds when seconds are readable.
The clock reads 6,37
